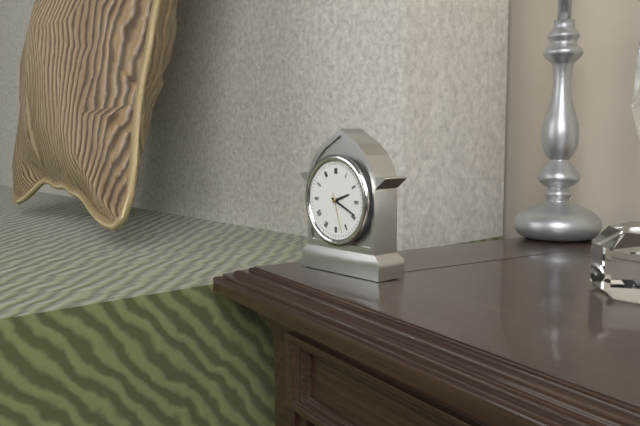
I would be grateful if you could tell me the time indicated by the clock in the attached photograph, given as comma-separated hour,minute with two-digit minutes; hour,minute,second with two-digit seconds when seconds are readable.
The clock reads 2,19
